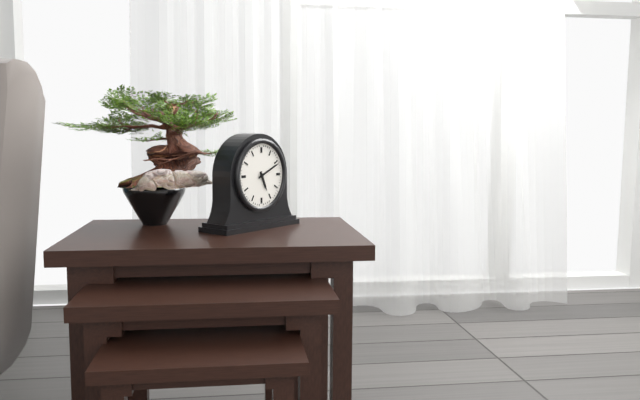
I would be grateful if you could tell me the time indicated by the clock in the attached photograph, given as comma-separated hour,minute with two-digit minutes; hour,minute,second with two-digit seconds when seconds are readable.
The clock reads 5,11
